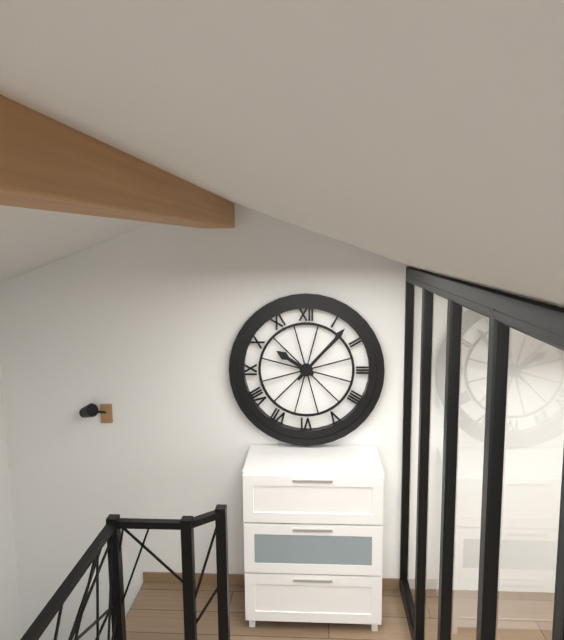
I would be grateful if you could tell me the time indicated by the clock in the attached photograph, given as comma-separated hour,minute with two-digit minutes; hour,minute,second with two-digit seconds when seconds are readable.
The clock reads 10,07
